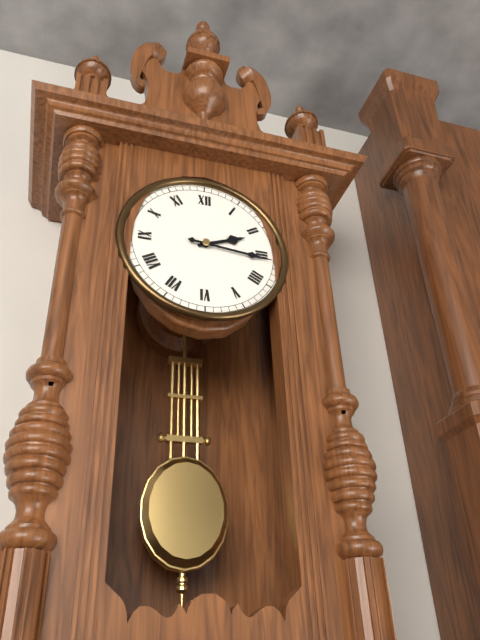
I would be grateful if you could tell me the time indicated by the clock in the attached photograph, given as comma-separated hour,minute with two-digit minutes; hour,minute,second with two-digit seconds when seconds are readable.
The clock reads 2,16
